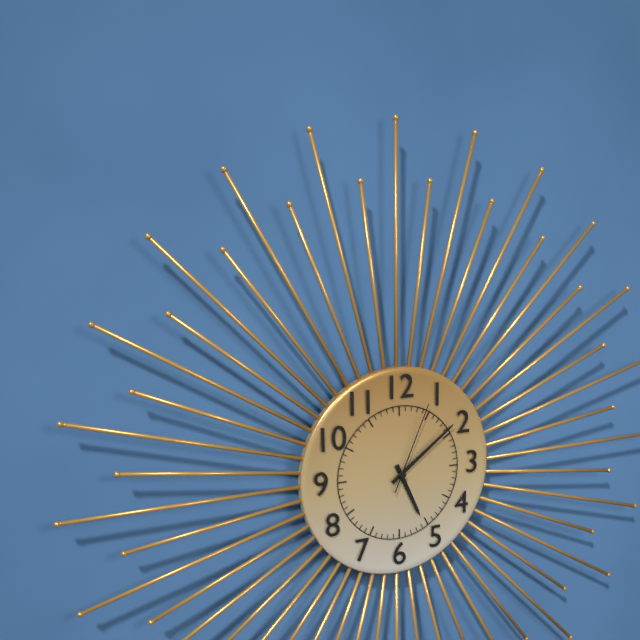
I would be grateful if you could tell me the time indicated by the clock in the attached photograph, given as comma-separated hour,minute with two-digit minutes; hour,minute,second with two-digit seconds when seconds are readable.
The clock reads 5,09,04
